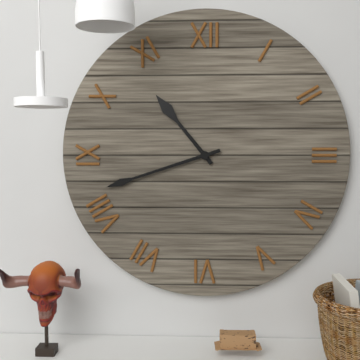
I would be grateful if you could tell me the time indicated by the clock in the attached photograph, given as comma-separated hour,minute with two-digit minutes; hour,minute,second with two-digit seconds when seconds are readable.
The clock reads 10,42
